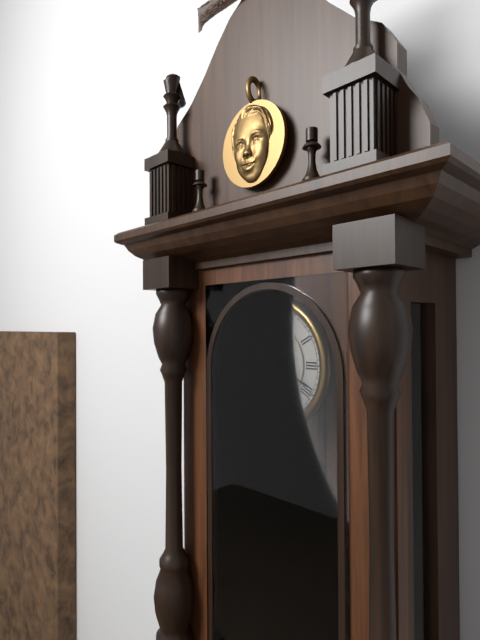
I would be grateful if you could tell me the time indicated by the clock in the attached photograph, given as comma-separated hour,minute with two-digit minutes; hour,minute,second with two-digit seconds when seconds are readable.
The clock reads 6,19
